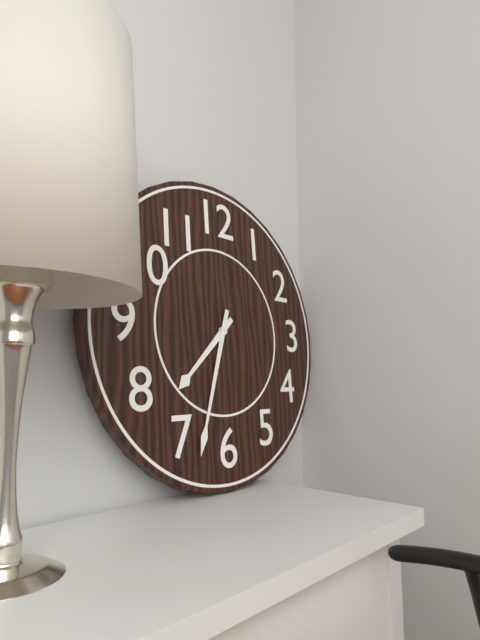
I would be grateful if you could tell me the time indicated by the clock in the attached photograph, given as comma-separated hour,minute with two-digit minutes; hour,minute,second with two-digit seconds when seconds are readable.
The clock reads 7,33
